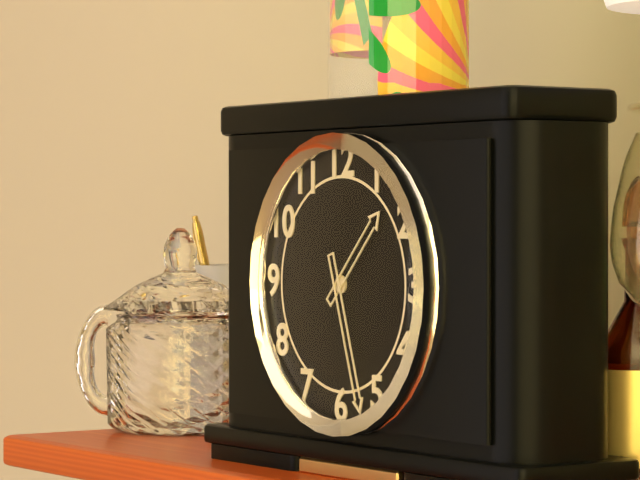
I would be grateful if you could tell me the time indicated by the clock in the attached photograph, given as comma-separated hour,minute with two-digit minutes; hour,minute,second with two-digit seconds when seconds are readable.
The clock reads 1,27
